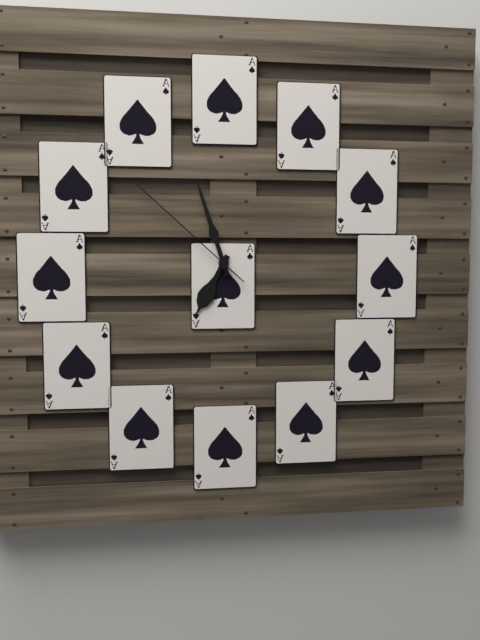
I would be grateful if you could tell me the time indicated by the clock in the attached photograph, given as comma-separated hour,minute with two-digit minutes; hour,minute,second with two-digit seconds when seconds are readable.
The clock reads 6,57,52
